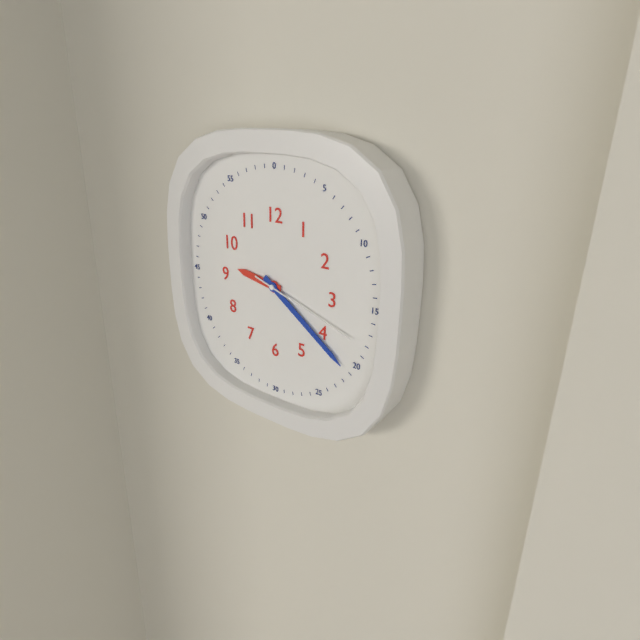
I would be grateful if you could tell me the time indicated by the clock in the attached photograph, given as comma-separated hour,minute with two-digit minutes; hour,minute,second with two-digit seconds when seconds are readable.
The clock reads 9,21,18
